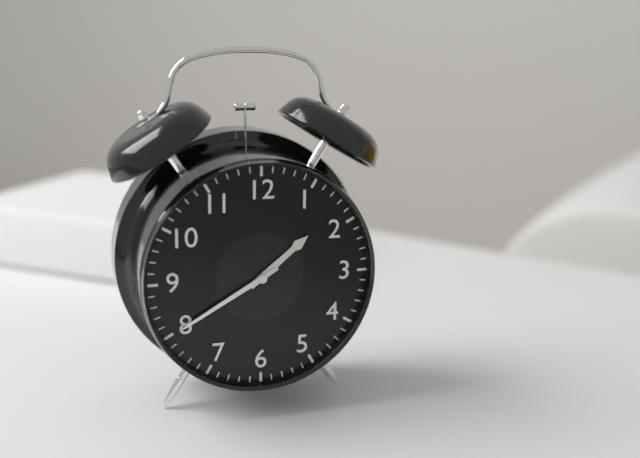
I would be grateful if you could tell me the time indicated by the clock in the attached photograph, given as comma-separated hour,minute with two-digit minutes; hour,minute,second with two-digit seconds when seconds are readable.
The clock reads 1,40
